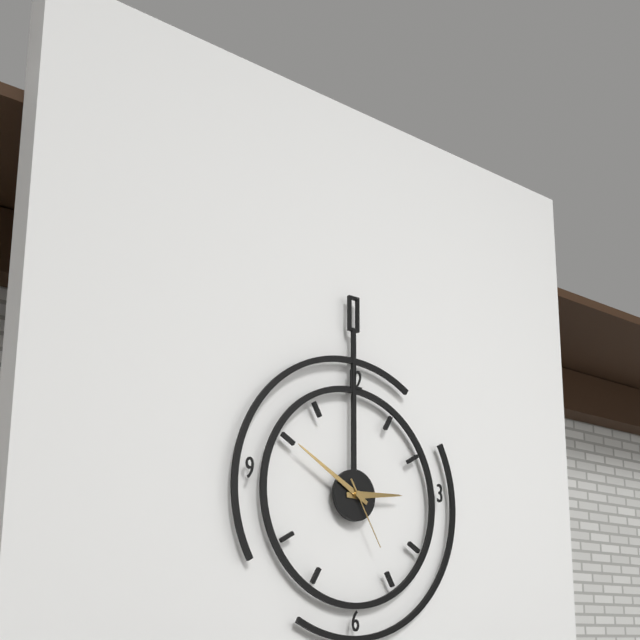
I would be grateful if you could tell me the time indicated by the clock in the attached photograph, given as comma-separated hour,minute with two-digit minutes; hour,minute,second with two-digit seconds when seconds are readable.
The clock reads 2,50,25
